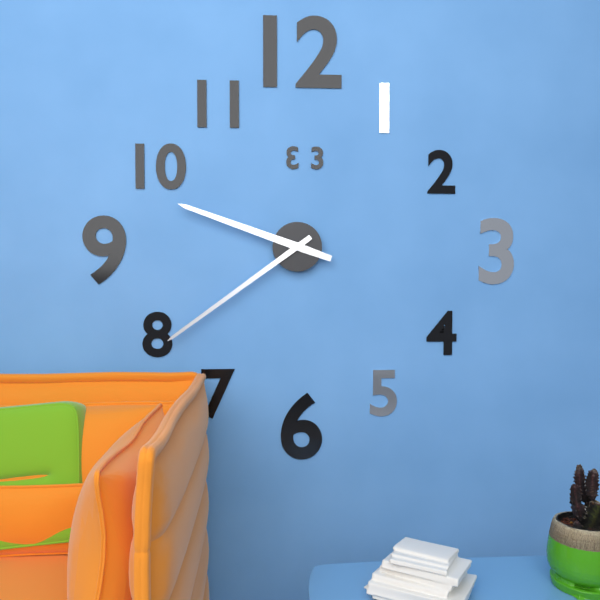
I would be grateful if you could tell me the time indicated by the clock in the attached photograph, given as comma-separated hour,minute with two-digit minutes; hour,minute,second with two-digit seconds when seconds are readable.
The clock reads 9,39
